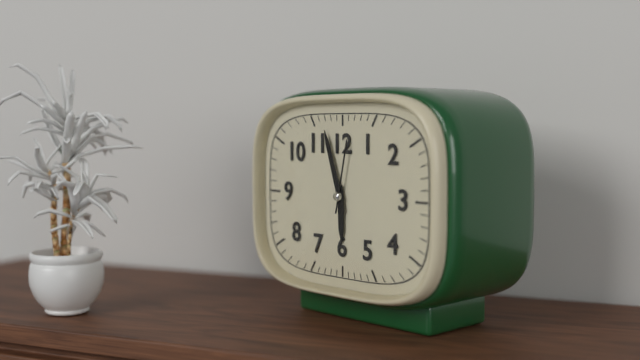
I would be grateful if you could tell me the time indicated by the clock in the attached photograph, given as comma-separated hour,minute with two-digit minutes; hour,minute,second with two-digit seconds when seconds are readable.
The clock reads 5,57,02
